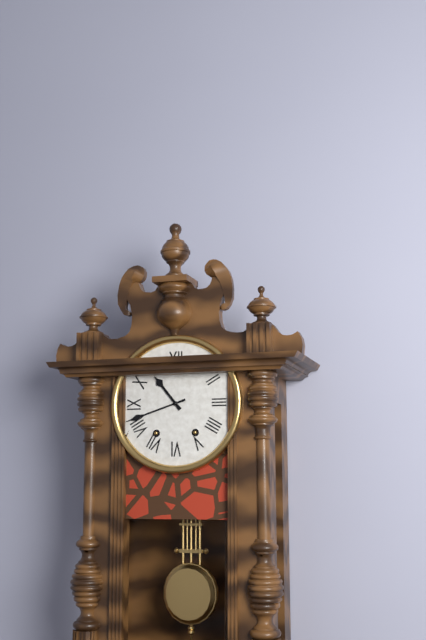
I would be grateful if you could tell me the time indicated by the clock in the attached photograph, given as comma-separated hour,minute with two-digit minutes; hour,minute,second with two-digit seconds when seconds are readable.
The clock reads 10,42
